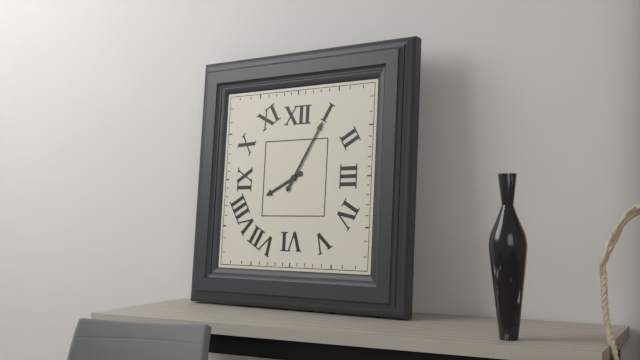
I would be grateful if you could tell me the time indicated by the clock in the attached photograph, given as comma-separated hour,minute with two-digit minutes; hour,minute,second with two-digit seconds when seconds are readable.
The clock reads 8,05
